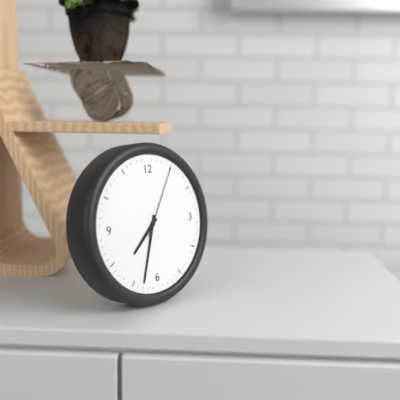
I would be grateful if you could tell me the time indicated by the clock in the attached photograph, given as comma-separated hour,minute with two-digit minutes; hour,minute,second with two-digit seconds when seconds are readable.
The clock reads 7,33,05
